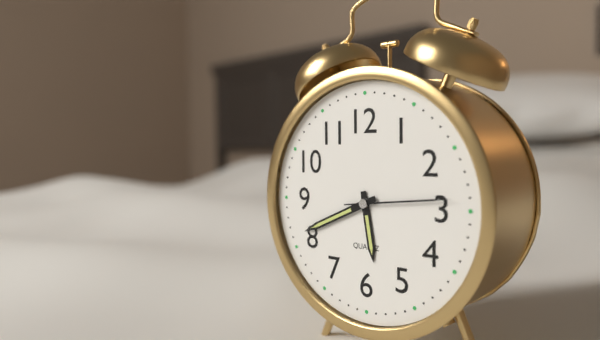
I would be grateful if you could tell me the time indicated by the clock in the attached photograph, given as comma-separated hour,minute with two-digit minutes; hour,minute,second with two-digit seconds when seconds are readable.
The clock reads 5,41,14
